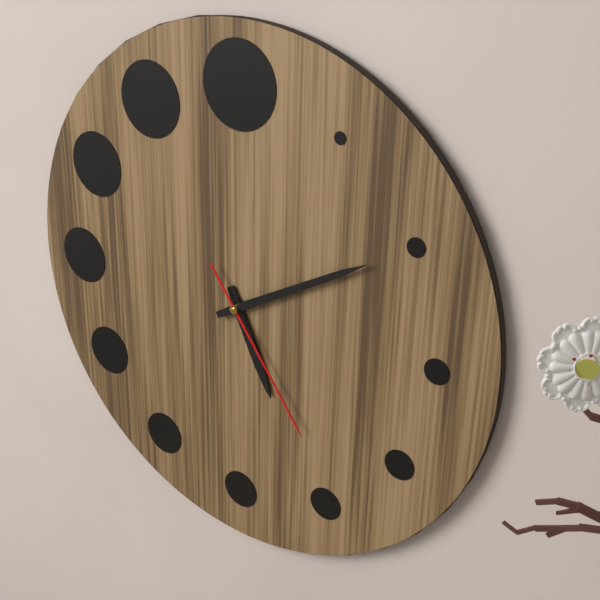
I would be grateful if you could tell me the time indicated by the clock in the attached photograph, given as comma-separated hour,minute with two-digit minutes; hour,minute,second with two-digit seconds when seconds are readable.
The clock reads 5,10,24
